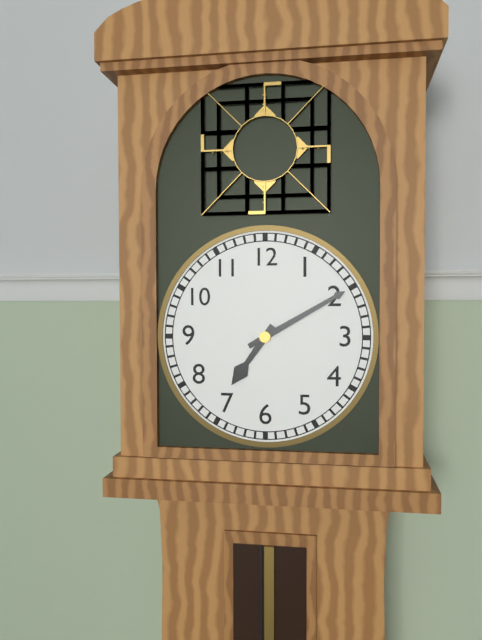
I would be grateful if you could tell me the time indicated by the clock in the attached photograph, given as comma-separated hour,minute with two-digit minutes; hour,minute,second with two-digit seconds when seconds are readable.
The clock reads 7,10
